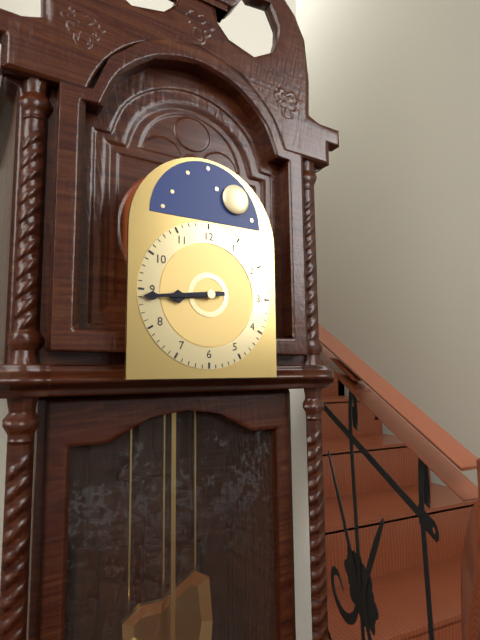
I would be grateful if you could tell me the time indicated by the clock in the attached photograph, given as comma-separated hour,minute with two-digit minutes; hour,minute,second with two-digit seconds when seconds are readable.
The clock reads 8,44
